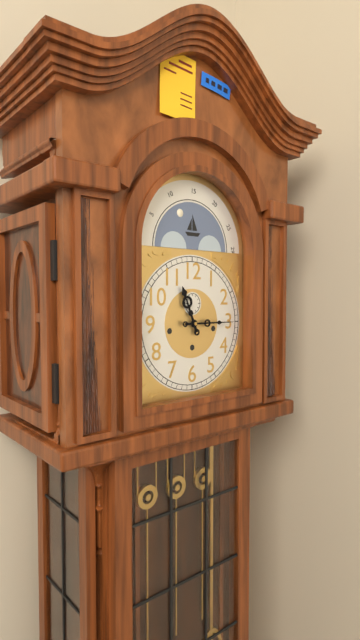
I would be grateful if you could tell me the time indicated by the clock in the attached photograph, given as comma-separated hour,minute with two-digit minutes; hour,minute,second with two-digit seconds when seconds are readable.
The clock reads 11,15
